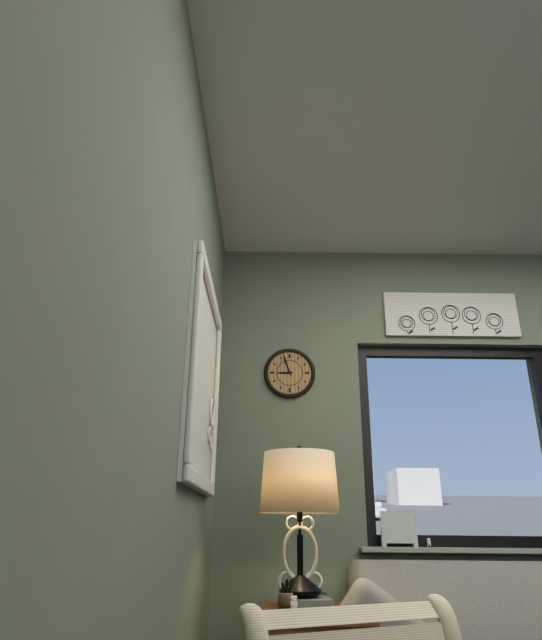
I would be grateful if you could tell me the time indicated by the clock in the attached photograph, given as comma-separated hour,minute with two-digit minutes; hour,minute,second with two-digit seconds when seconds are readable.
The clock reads 8,57
